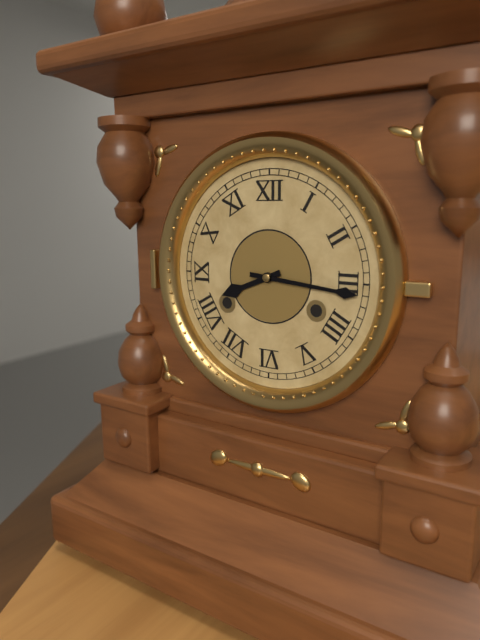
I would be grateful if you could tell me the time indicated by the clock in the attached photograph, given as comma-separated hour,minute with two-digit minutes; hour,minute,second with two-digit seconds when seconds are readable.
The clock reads 8,16
